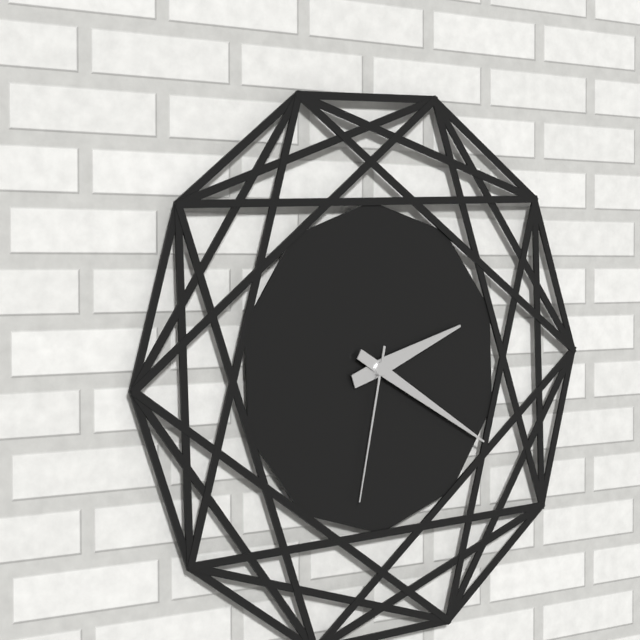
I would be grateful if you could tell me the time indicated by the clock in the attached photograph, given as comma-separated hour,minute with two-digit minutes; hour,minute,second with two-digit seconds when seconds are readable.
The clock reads 2,20,32
